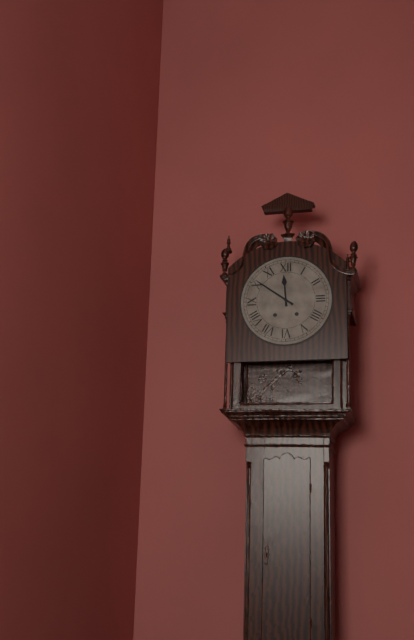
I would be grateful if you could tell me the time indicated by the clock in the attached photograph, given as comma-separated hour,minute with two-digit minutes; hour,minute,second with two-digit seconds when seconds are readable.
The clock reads 11,51
